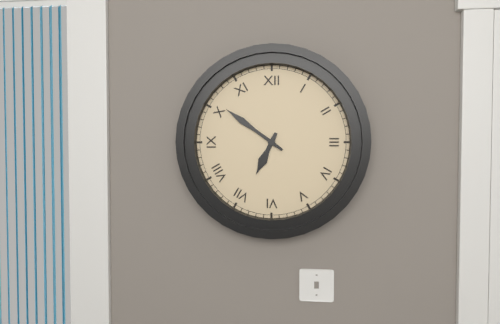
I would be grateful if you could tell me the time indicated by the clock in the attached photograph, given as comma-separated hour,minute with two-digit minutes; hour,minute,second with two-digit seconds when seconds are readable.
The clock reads 6,51
